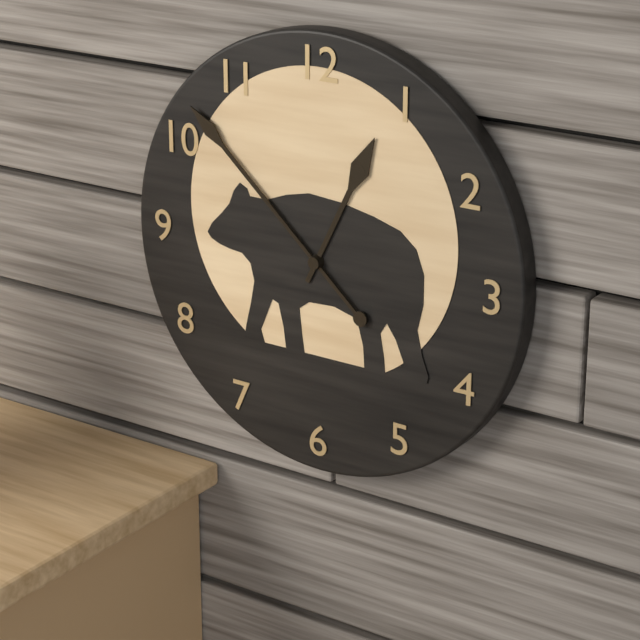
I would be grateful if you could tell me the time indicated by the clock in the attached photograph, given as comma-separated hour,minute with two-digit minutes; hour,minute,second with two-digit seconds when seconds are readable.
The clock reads 12,52
